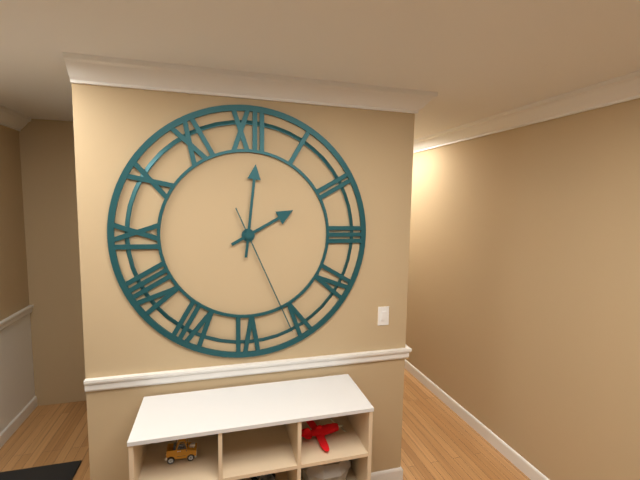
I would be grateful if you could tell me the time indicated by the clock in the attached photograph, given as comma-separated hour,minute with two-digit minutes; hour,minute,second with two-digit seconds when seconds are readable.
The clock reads 2,01,26
